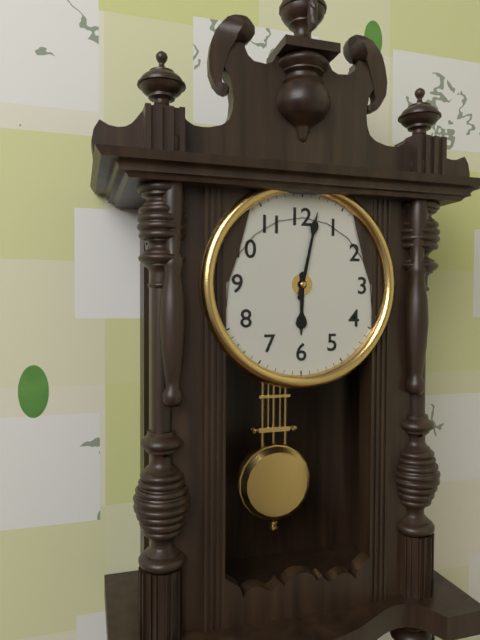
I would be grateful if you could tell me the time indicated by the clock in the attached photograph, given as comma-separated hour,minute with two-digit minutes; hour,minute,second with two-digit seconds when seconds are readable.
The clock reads 6,02
